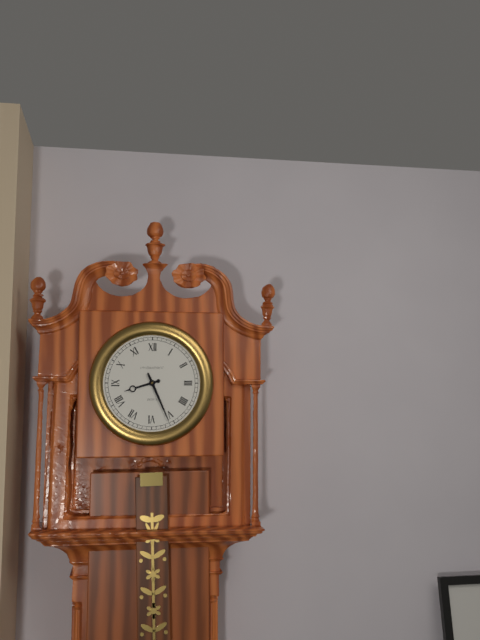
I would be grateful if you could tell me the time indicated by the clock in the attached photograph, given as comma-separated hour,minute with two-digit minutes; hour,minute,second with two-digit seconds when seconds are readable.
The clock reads 8,26
